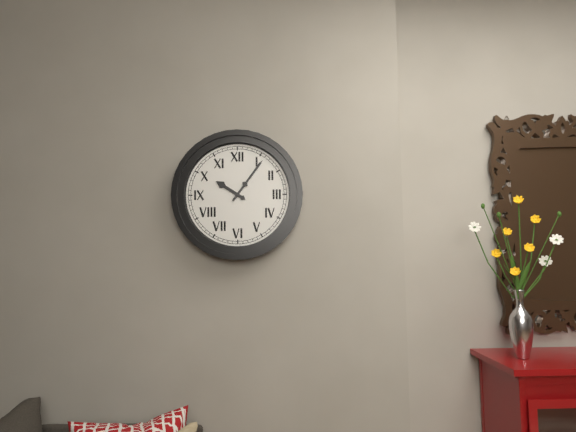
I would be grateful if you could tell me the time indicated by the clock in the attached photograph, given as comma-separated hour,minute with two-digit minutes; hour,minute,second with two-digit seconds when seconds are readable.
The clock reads 10,06
